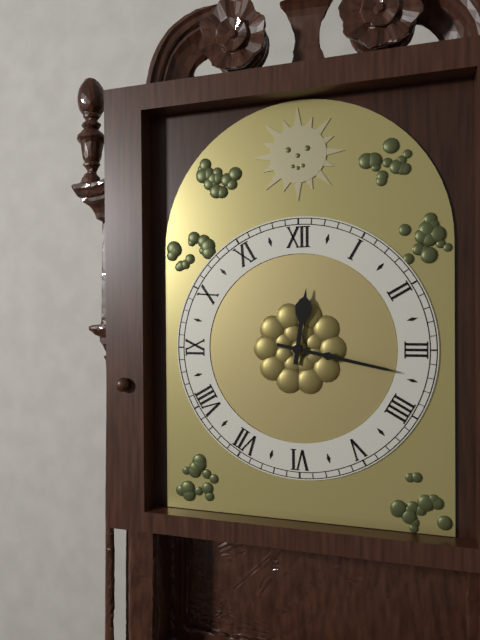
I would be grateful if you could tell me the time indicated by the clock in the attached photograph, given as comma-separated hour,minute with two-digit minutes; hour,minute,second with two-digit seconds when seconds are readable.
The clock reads 12,17
